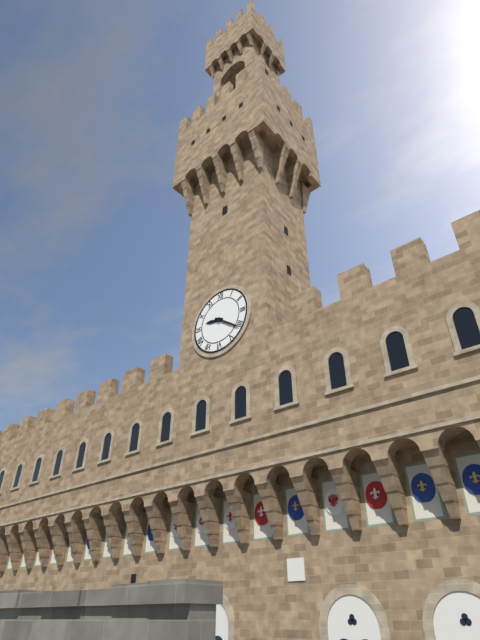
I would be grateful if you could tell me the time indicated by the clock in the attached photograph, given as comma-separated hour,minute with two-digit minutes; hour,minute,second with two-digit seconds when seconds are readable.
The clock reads 9,21
